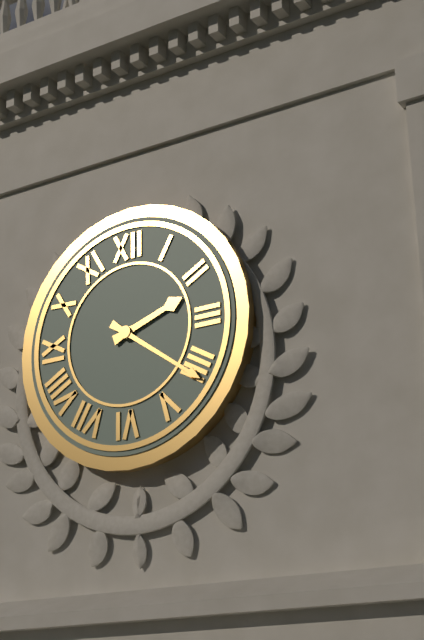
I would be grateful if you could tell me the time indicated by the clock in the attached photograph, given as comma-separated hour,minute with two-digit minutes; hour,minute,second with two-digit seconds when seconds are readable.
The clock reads 2,21
